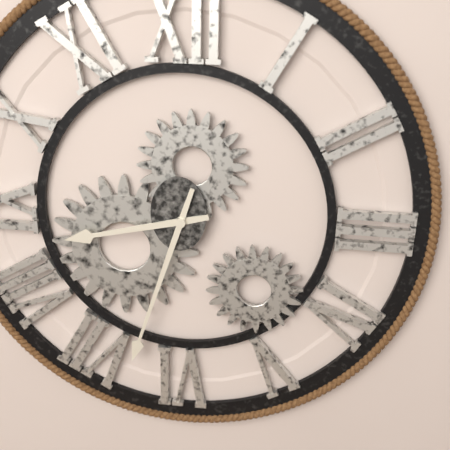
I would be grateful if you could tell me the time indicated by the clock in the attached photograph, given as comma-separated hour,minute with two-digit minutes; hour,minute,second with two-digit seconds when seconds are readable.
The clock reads 8,33
